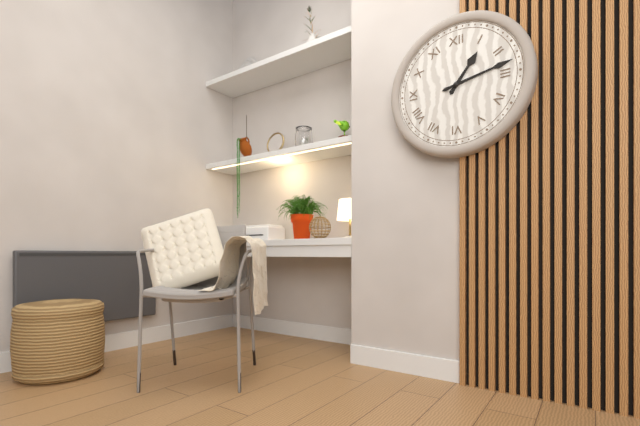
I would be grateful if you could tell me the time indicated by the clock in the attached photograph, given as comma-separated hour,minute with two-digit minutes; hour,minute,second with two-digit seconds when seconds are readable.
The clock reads 1,13
